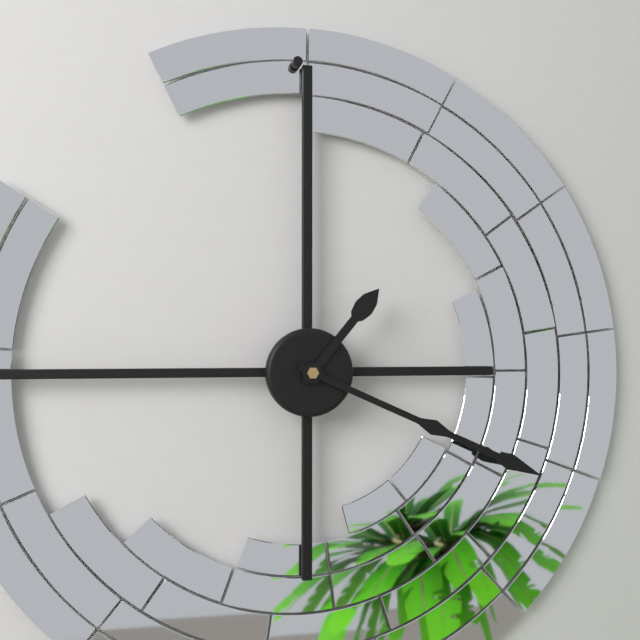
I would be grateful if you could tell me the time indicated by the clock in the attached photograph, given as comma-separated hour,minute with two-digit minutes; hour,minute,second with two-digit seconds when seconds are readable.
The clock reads 1,19
